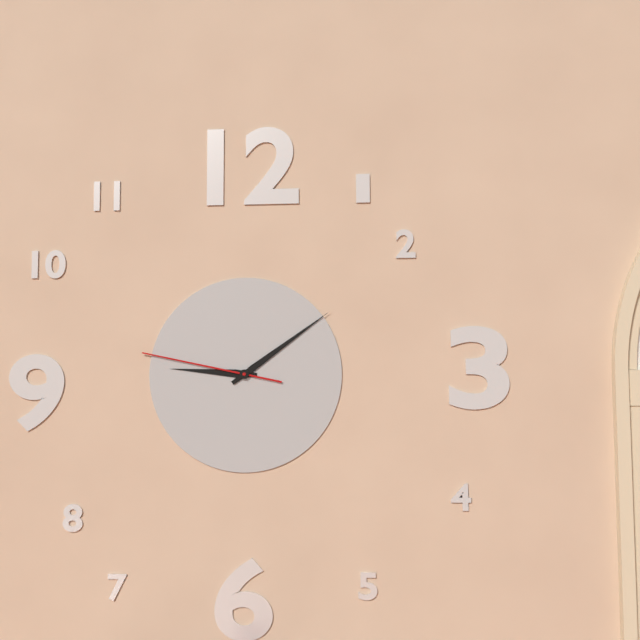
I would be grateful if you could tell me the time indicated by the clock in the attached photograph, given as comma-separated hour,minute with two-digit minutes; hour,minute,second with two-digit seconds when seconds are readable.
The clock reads 9,09,47
